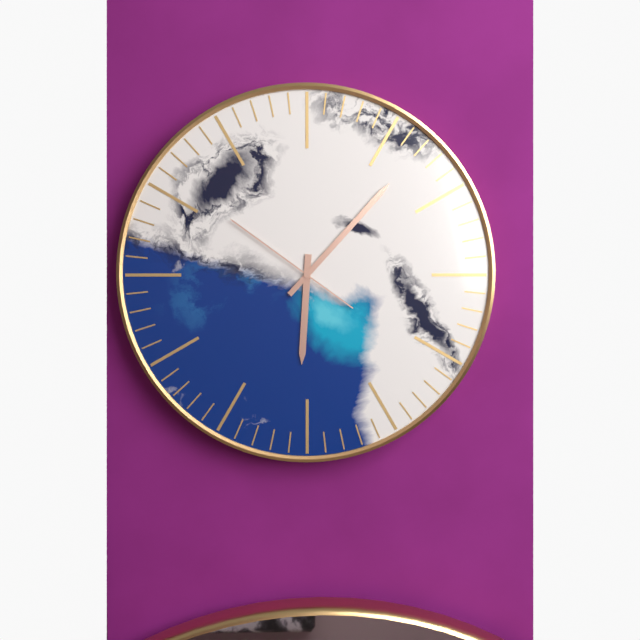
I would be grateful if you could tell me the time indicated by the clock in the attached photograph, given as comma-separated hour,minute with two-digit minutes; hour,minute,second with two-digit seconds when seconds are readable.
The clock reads 6,07,51
